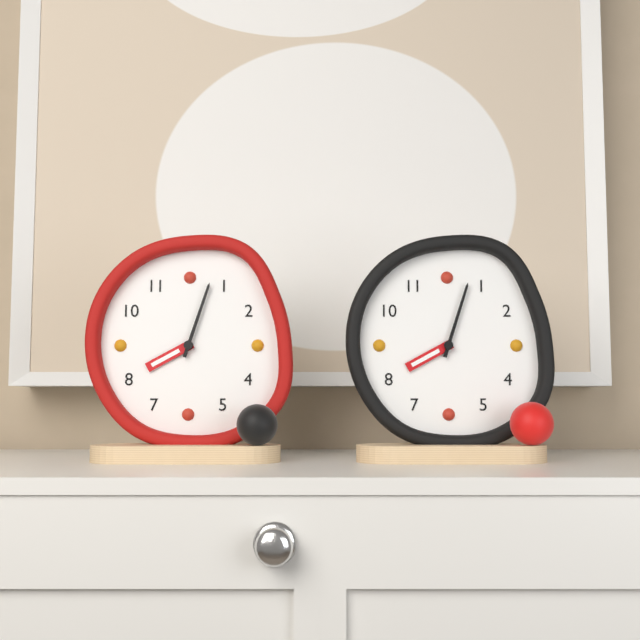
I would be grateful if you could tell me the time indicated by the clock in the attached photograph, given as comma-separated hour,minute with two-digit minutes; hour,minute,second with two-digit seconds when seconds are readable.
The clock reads 8,03
